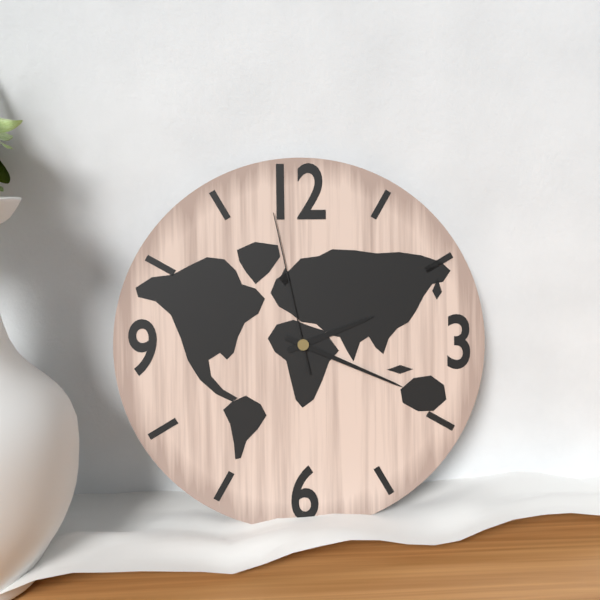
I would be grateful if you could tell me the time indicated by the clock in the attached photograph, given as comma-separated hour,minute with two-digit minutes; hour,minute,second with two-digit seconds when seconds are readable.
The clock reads 2,19,58
